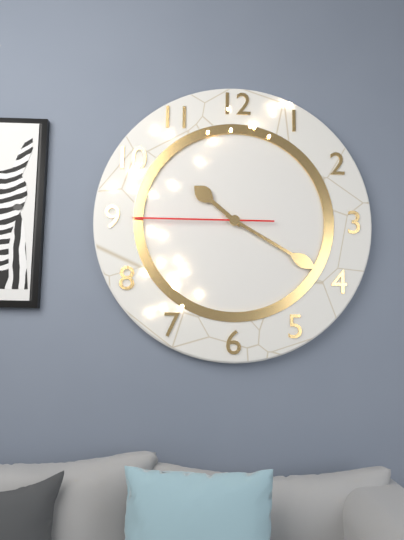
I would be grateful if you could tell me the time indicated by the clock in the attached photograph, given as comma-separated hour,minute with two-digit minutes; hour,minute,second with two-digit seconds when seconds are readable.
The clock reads 10,20,45
